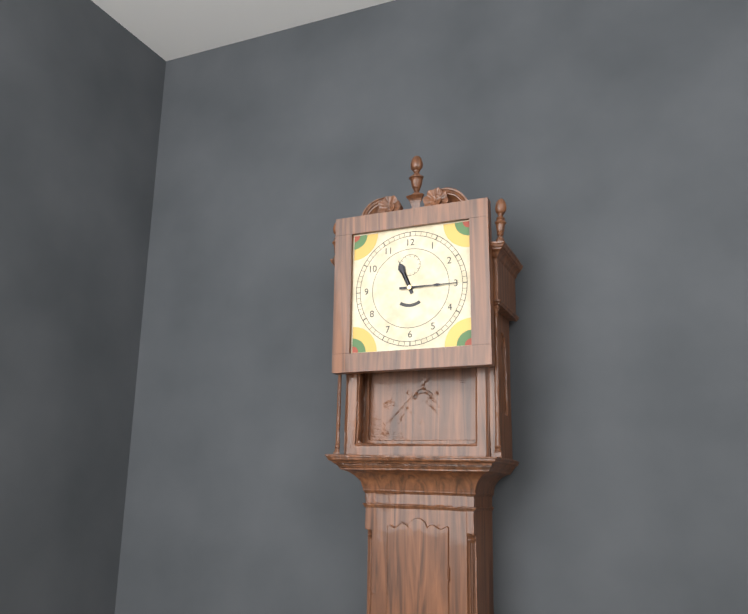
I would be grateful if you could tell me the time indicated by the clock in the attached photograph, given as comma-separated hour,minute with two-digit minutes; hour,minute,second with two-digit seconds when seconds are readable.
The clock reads 11,15
